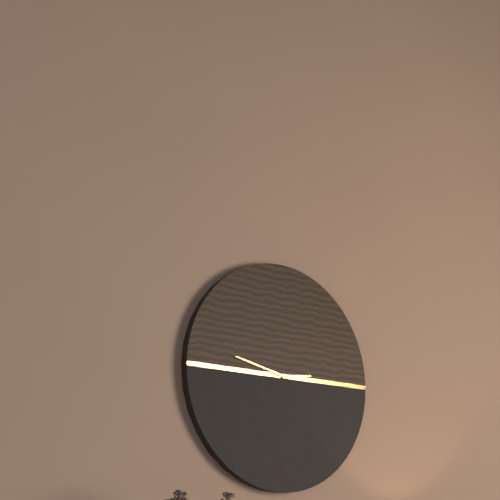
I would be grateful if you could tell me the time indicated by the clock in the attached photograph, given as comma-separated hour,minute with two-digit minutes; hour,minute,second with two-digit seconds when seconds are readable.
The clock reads 2,47
